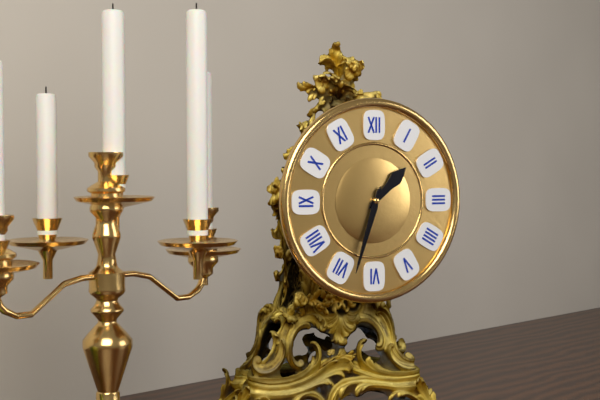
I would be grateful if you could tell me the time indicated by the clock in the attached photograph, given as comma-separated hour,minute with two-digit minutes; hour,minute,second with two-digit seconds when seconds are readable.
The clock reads 1,33
